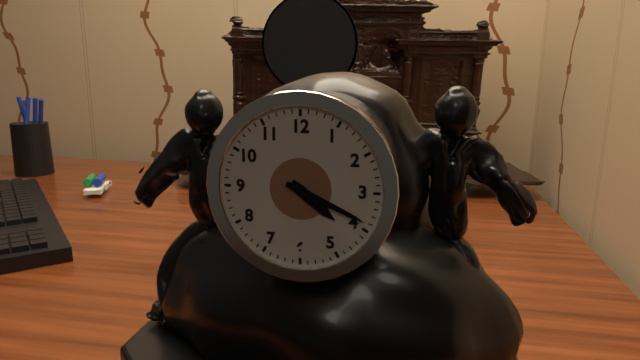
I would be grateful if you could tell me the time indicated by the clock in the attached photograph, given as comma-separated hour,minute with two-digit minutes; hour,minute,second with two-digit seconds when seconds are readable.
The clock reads 4,19
